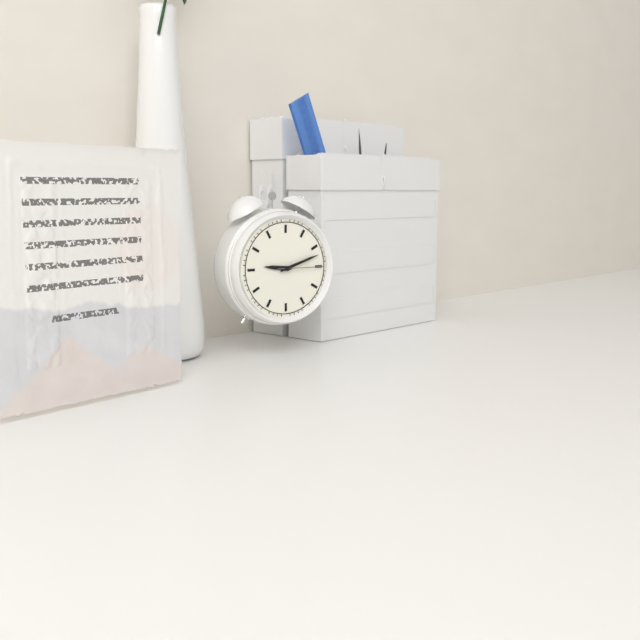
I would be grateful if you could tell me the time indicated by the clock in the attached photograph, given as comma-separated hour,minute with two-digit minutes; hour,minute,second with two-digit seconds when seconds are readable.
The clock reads 9,12
